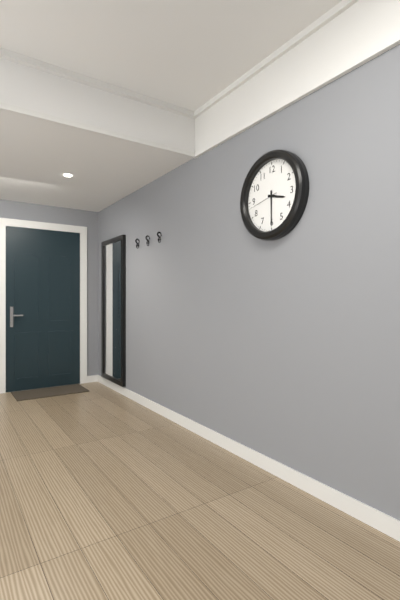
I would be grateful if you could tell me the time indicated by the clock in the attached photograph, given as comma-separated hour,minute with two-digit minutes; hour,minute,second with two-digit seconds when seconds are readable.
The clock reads 3,30
